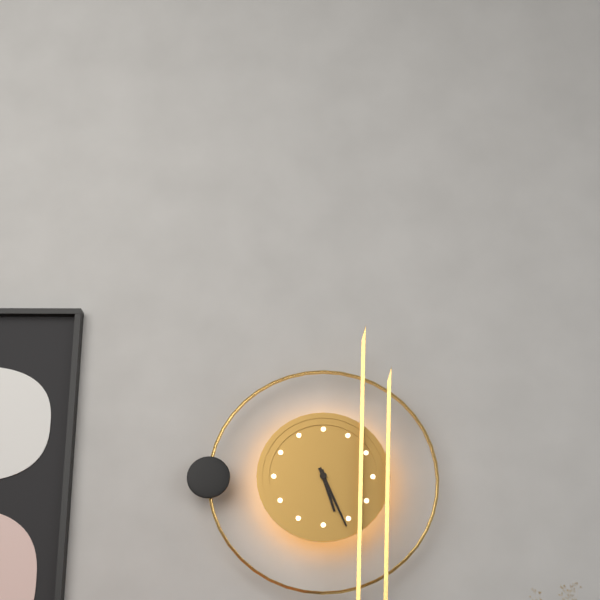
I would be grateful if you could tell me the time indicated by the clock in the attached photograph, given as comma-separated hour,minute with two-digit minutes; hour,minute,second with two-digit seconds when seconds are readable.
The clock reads 5,26
